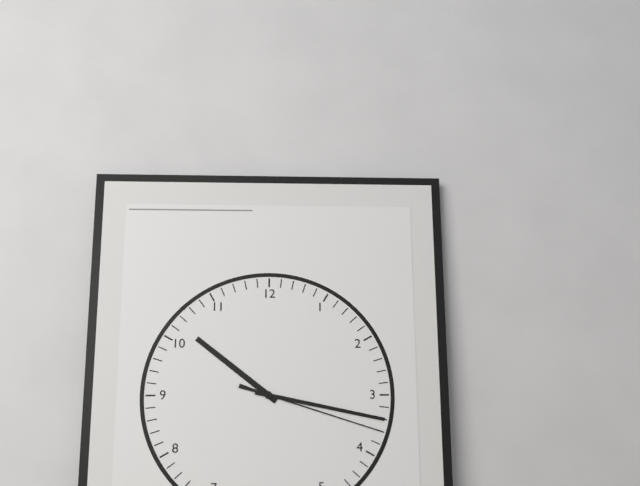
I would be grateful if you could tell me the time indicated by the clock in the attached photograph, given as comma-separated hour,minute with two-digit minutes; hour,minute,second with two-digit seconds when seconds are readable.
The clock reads 10,17,18
